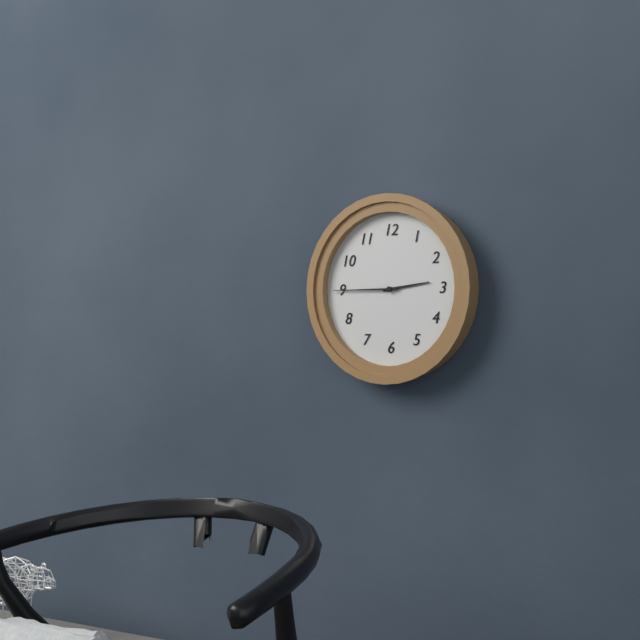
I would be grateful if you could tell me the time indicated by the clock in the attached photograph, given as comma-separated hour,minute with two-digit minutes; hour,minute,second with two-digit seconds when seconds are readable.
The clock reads 2,45
